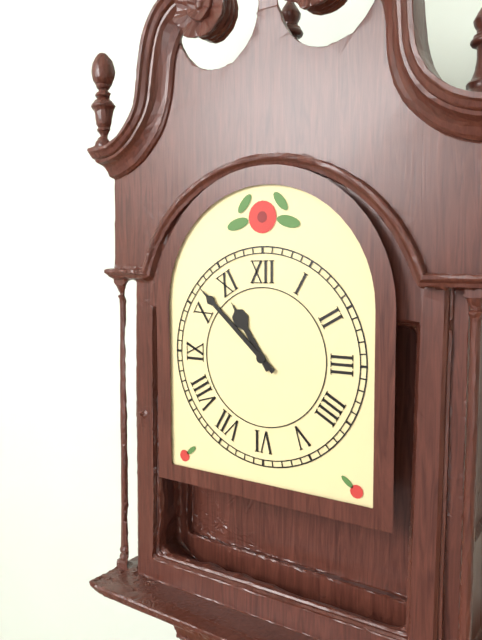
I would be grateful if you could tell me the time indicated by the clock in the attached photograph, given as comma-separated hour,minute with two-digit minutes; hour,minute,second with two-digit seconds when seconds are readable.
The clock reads 10,52
